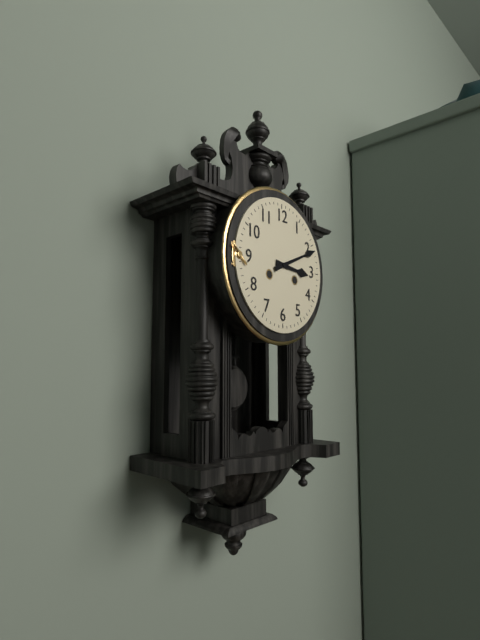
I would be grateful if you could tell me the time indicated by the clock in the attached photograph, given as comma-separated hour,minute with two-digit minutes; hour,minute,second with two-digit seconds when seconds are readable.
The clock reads 3,11
